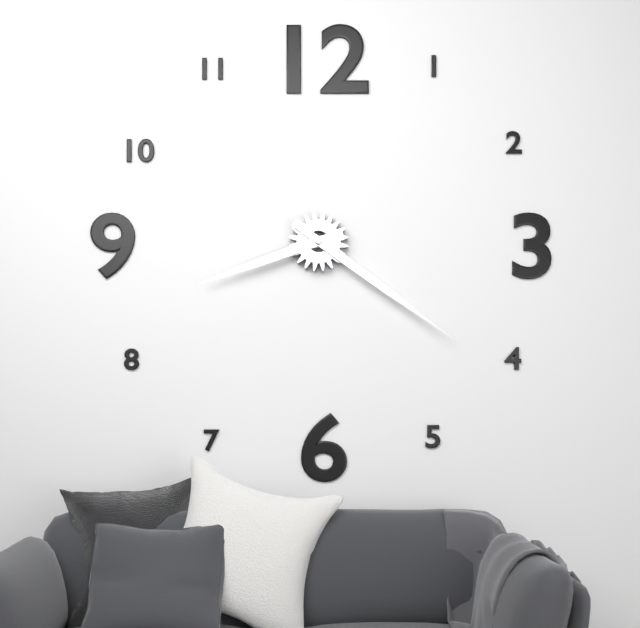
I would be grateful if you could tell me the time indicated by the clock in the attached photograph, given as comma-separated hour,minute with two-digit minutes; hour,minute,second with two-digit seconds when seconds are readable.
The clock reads 8,21
